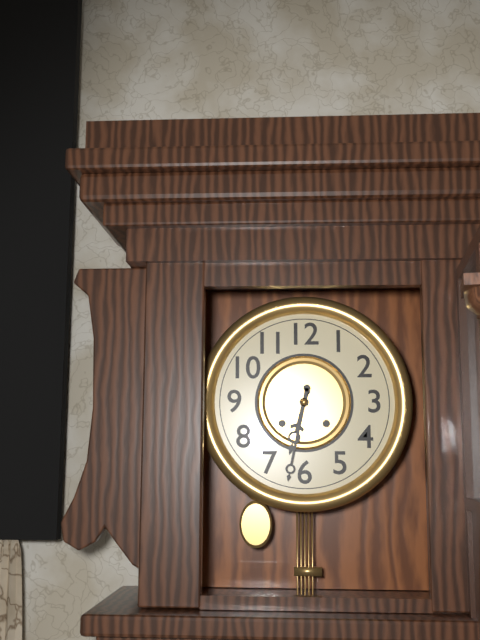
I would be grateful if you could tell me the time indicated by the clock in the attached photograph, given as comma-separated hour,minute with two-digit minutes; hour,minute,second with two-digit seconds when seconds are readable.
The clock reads 6,32
